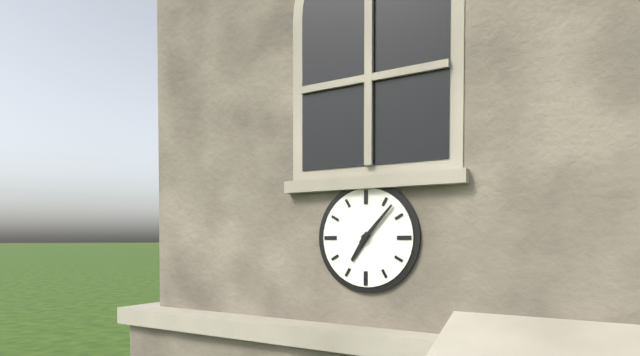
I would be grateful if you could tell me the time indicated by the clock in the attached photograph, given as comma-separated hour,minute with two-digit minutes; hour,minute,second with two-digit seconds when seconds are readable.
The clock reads 7,07
